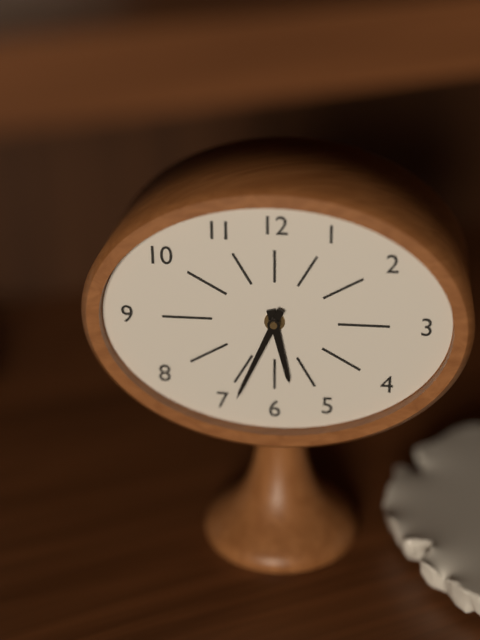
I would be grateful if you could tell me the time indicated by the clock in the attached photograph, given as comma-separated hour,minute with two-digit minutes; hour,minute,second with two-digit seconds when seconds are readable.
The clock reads 5,34
